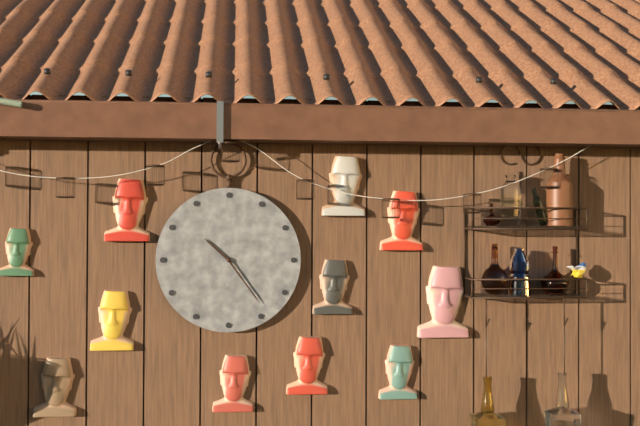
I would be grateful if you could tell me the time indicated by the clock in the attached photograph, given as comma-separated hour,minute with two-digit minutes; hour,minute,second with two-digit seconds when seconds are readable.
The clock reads 10,24
